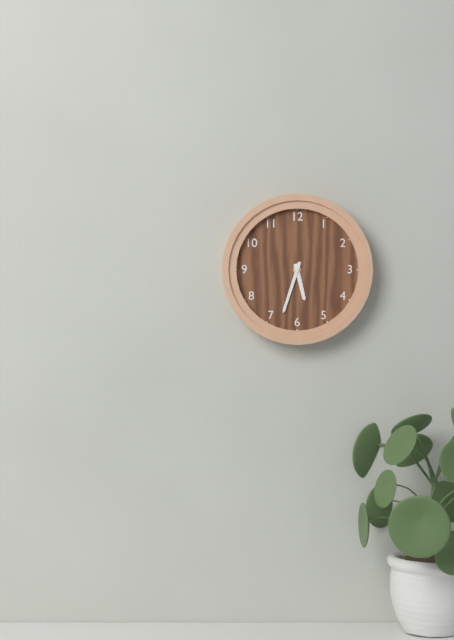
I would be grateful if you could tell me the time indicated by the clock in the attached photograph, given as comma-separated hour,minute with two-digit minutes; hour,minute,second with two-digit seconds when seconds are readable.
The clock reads 5,33
